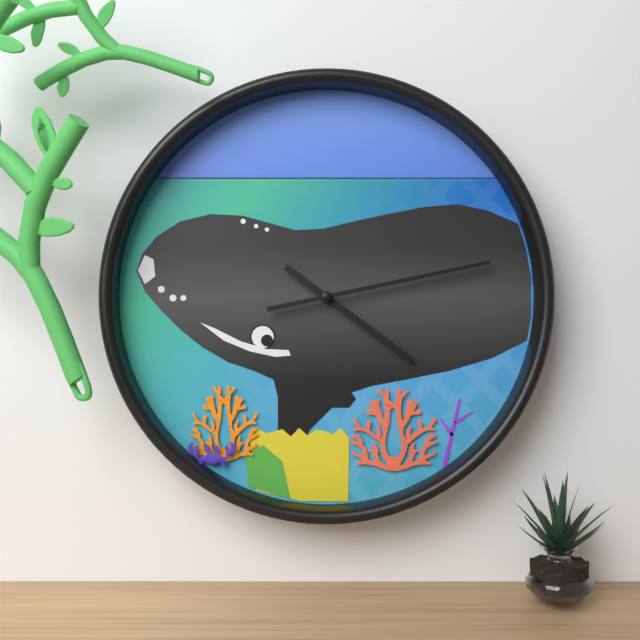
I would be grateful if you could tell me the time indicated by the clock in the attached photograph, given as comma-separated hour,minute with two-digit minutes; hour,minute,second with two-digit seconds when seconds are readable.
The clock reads 4,13
